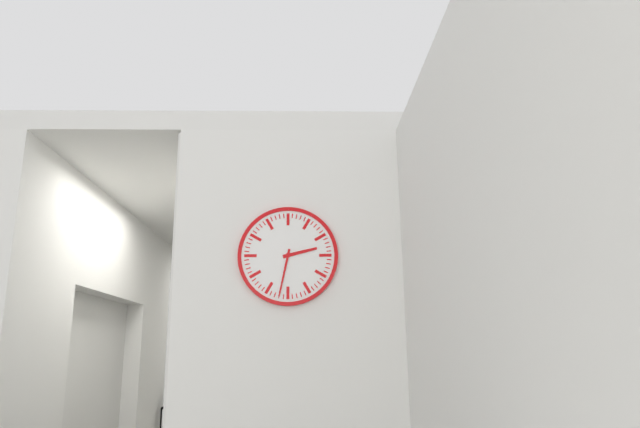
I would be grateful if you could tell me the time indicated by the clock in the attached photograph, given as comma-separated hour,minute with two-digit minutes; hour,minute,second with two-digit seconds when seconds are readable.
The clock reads 2,32
